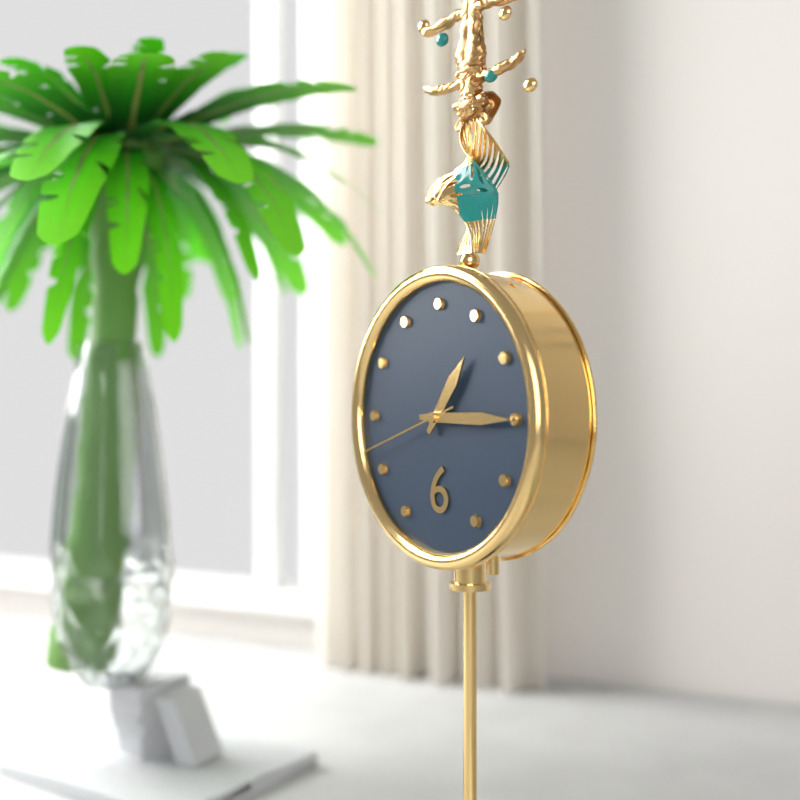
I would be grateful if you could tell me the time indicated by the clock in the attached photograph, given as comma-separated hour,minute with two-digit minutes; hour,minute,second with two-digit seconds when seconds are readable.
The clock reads 1,15,42
